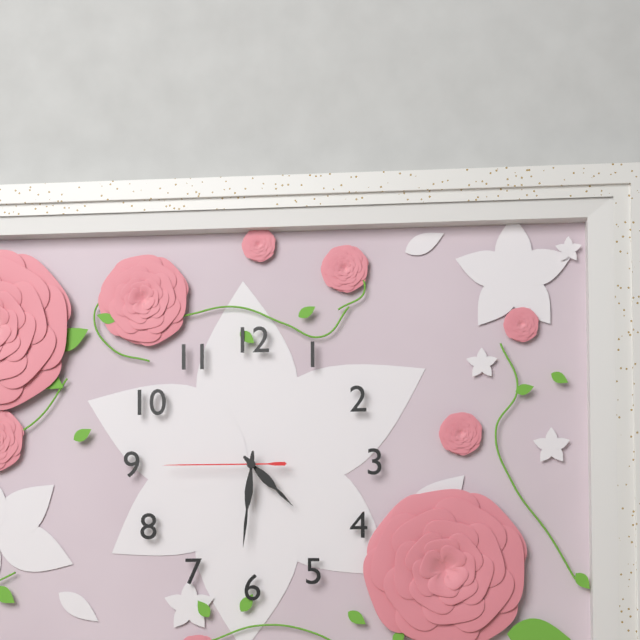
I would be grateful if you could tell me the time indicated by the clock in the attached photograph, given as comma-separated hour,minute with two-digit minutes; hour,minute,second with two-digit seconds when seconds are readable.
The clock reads 4,31,45
